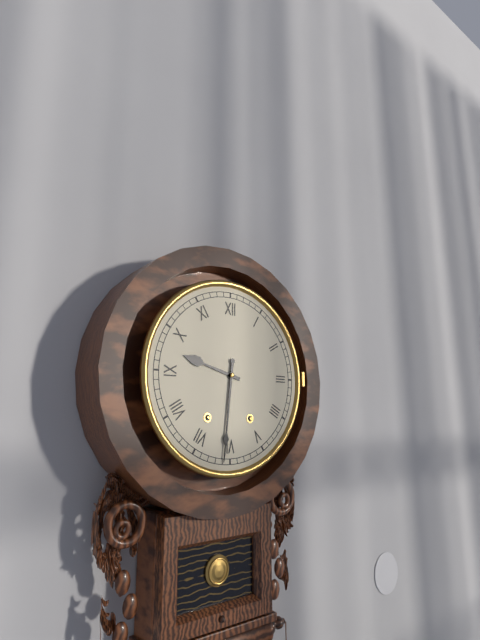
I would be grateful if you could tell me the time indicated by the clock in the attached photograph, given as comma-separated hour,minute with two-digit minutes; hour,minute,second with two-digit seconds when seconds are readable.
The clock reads 9,31
